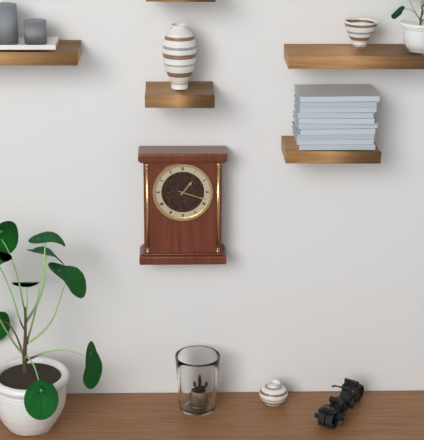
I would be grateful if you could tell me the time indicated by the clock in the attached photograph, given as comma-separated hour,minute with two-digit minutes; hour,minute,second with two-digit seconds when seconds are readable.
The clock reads 1,18
